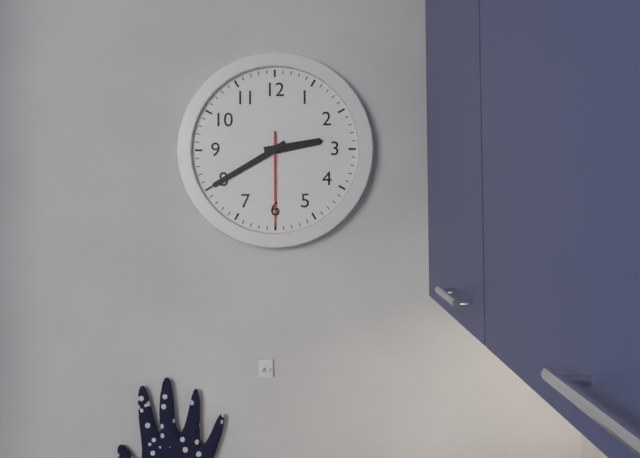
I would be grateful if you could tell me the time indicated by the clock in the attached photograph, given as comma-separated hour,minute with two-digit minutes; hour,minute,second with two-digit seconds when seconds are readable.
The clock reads 2,40,30
